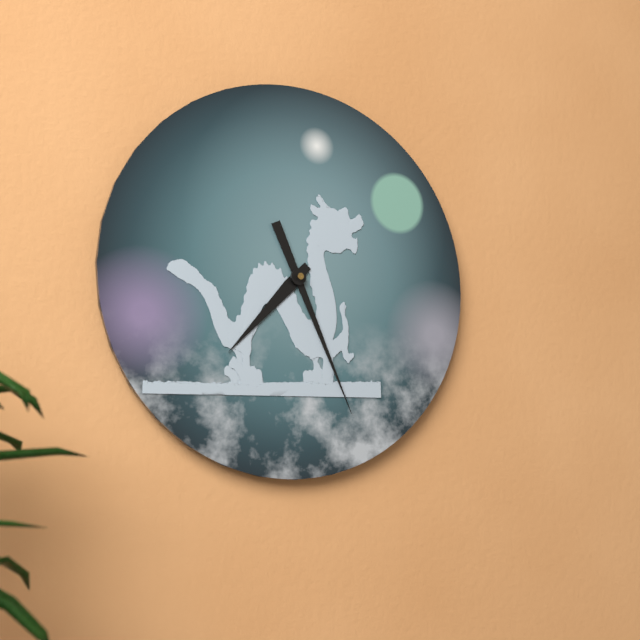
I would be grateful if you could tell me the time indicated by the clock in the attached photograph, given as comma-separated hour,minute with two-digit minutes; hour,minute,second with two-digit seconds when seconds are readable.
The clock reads 7,26
